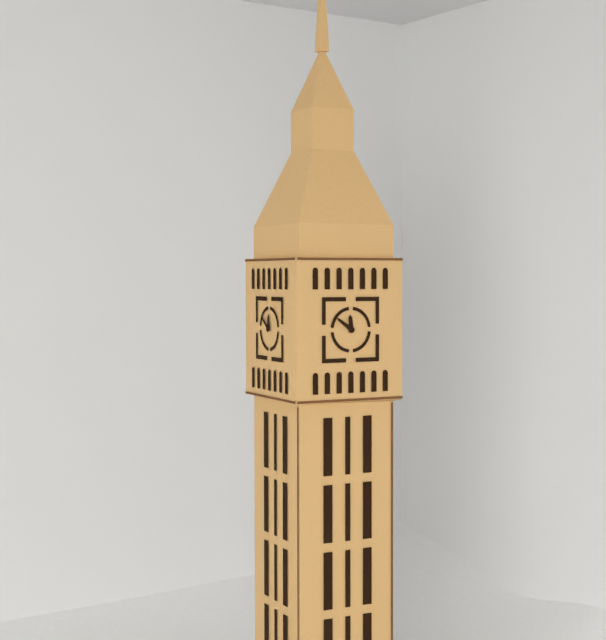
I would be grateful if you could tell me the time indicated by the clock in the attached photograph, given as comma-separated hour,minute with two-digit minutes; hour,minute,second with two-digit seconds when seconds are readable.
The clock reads 11,51
